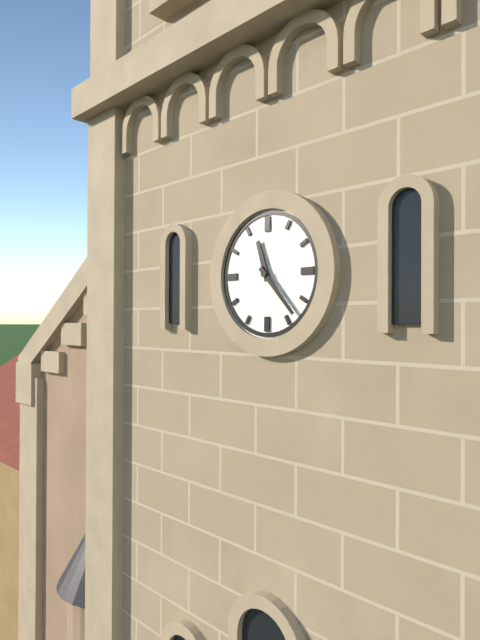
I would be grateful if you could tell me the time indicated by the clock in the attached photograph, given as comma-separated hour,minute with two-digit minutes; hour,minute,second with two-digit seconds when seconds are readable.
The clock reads 11,23
